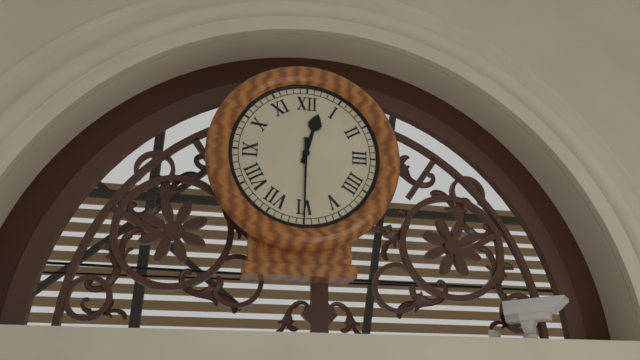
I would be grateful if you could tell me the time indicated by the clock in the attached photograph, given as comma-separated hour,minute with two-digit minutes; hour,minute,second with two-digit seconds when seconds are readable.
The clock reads 12,30
